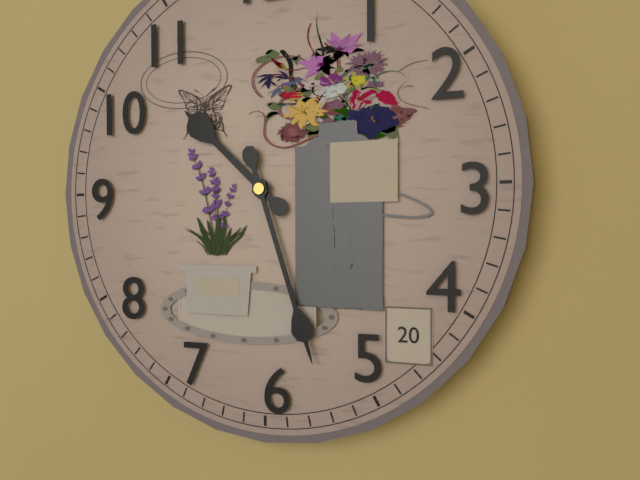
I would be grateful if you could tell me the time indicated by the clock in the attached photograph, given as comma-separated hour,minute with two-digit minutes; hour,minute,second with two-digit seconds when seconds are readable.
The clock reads 10,27
